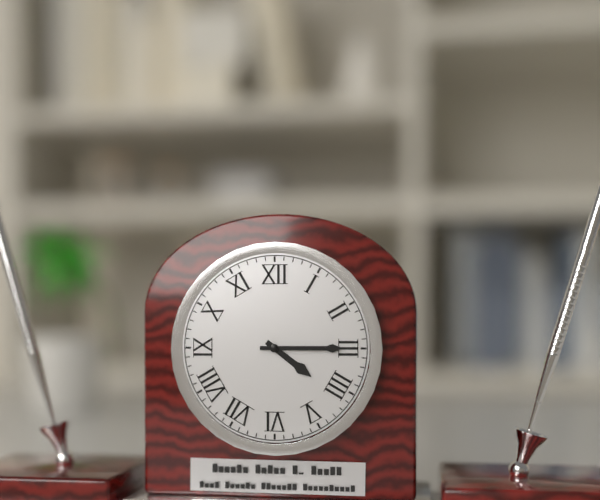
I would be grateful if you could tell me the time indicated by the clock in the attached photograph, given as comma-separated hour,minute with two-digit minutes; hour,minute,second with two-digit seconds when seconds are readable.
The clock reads 4,15
